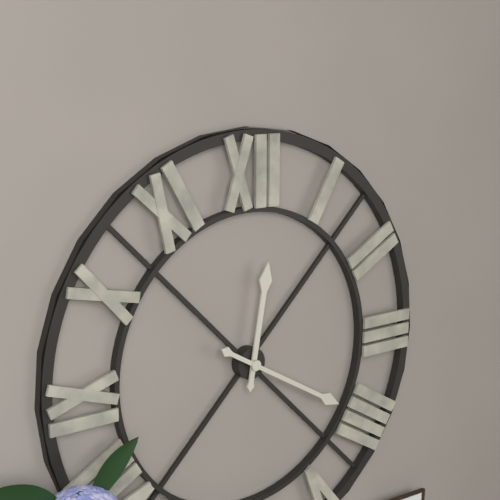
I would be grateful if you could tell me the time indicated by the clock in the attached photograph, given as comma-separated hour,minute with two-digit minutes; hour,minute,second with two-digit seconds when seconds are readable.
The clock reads 12,20
